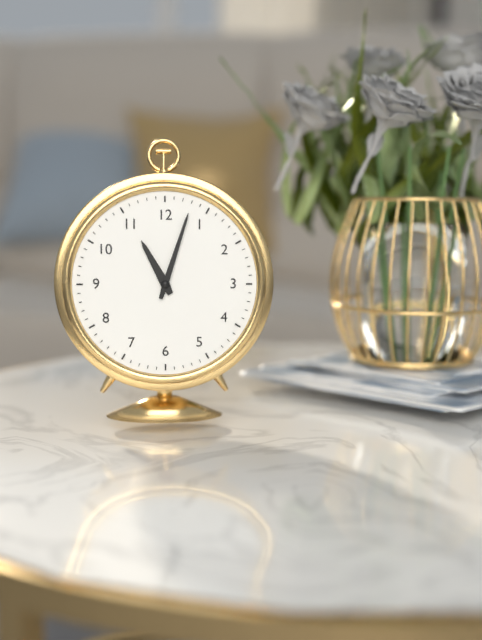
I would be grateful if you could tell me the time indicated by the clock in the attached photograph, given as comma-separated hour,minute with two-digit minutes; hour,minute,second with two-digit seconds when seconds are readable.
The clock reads 11,03
